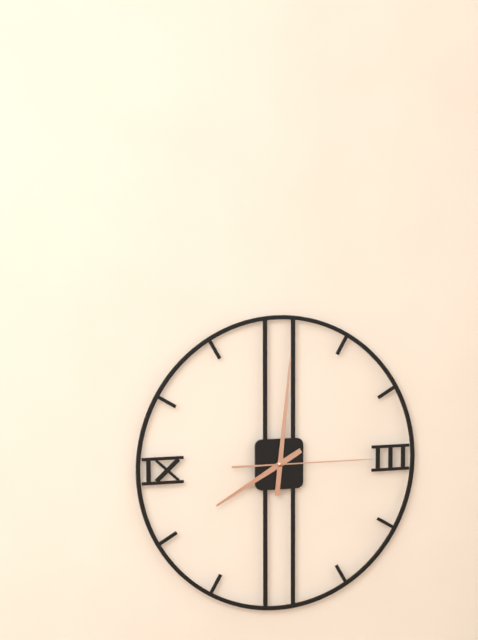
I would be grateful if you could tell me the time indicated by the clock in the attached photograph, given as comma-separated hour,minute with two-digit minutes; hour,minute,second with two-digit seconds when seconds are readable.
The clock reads 8,01,15
